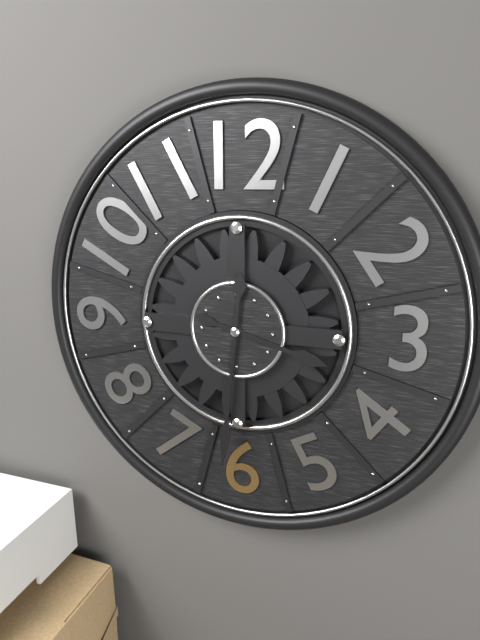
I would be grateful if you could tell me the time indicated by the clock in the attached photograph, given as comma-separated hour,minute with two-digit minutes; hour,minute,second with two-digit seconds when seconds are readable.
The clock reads 3,31
